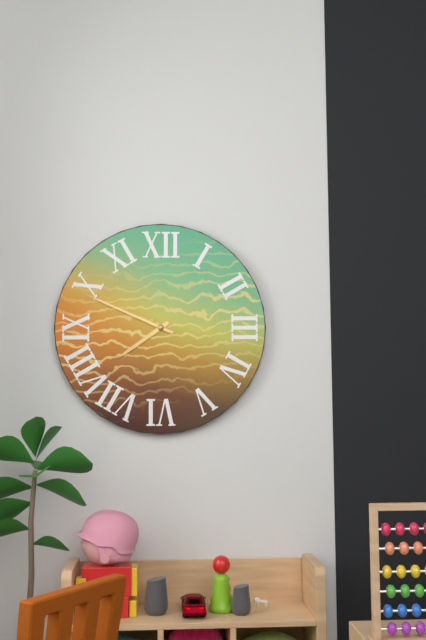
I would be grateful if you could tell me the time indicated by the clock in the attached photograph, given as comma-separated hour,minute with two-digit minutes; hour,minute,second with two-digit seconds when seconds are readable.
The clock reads 7,49
